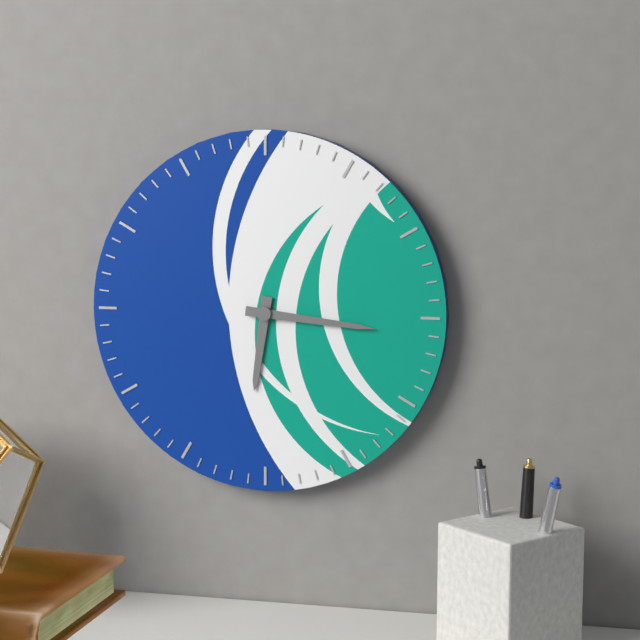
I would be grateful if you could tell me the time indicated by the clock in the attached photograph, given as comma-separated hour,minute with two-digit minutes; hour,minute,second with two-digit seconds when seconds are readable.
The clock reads 6,16
